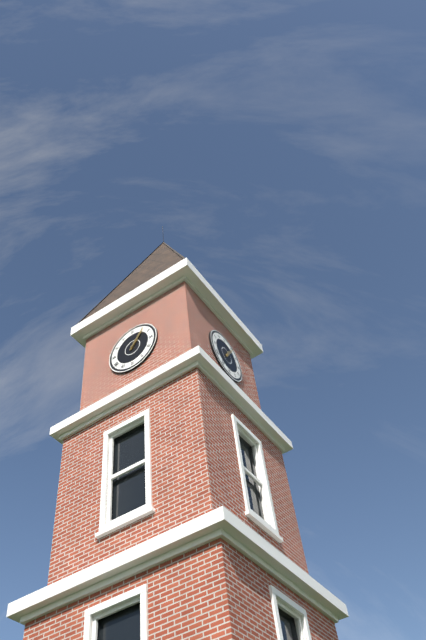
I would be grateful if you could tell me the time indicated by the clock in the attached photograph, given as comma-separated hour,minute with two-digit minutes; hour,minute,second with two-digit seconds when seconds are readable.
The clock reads 1,06
